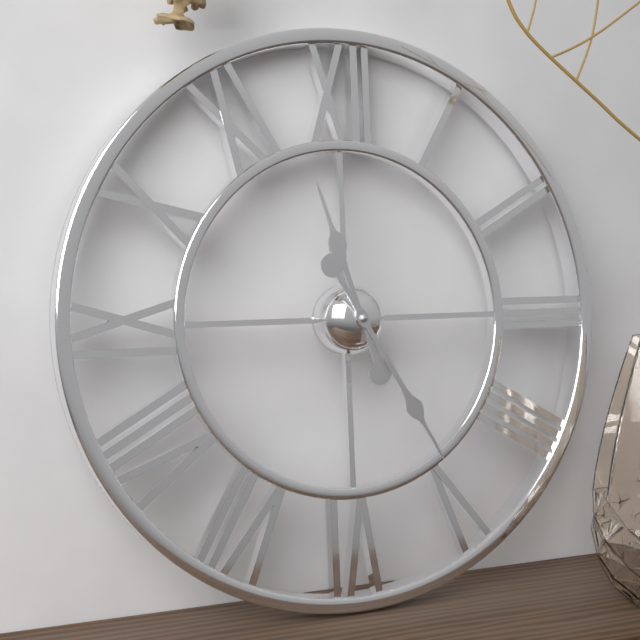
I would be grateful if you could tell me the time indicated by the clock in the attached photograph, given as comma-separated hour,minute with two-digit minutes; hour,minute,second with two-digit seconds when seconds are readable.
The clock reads 11,25
